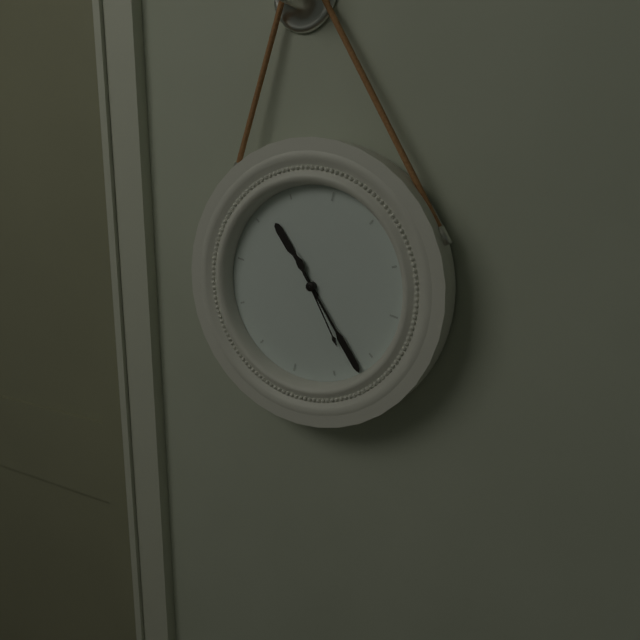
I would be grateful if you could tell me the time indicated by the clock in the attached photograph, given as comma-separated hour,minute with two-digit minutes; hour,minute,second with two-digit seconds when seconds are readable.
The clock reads 10,22,23
